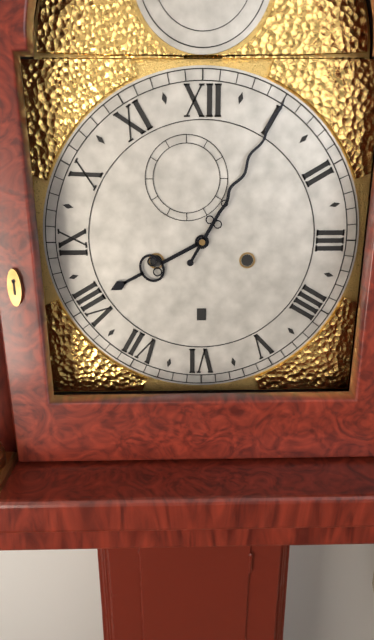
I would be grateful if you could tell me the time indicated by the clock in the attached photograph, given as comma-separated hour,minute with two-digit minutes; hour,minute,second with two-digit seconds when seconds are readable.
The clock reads 8,05
